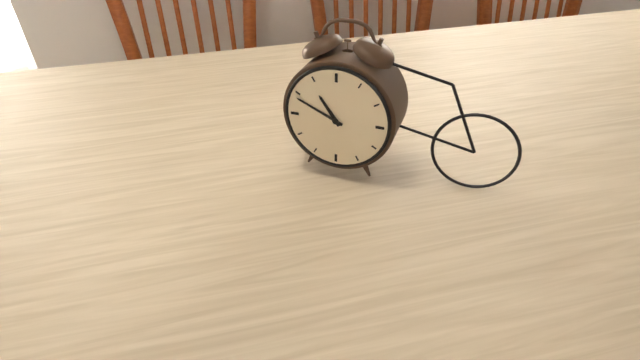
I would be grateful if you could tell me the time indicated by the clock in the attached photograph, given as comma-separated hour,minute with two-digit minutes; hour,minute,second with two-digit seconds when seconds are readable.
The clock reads 10,49
